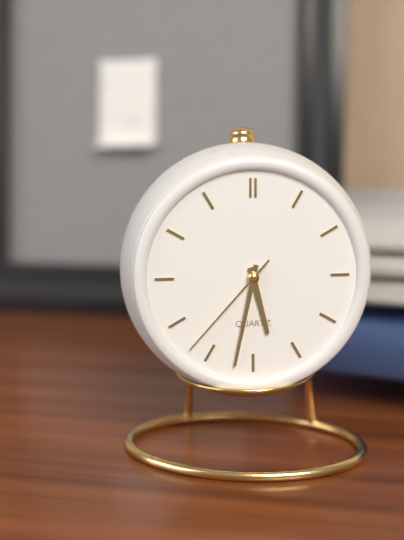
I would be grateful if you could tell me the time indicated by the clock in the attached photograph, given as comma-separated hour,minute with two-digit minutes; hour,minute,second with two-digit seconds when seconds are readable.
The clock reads 5,32,37
